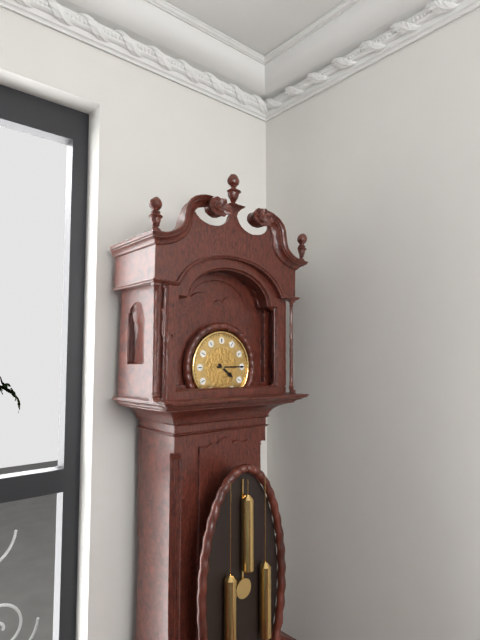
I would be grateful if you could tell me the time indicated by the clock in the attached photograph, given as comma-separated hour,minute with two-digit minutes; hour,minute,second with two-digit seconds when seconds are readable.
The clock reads 4,15
